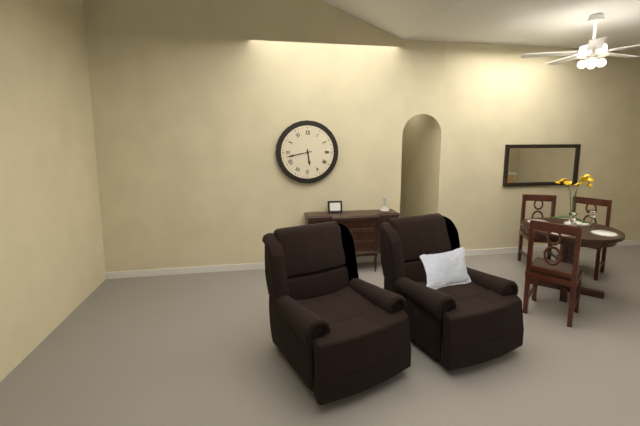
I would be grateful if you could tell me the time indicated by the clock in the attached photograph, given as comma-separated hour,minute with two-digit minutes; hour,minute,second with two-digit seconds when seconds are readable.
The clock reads 5,43
